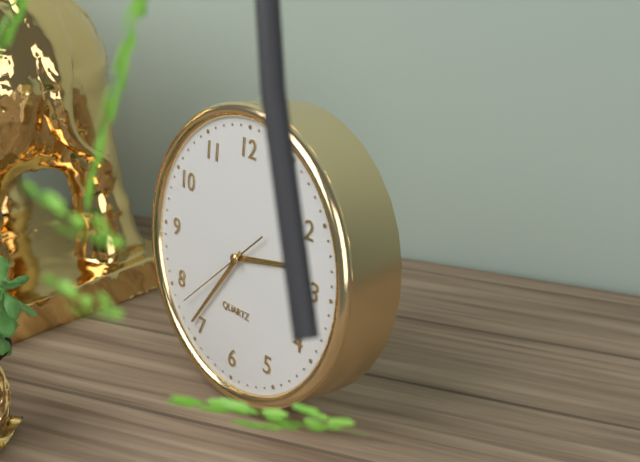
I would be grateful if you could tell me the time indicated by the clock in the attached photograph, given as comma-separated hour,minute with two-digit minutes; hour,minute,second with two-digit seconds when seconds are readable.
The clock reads 2,36,38
